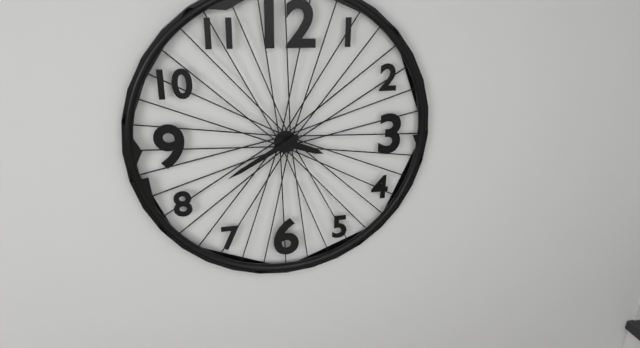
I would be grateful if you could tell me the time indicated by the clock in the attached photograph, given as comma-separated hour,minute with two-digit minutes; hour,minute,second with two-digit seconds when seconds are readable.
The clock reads 3,40
